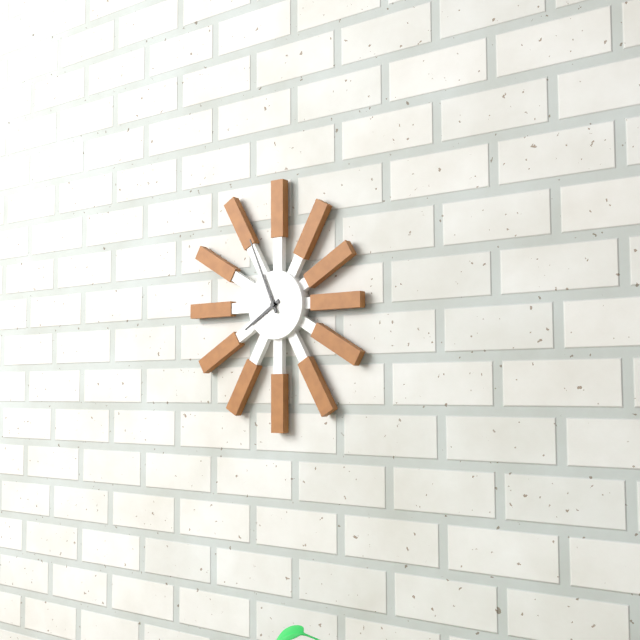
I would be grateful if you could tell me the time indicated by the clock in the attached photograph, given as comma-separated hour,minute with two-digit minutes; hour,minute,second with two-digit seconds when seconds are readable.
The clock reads 7,56
